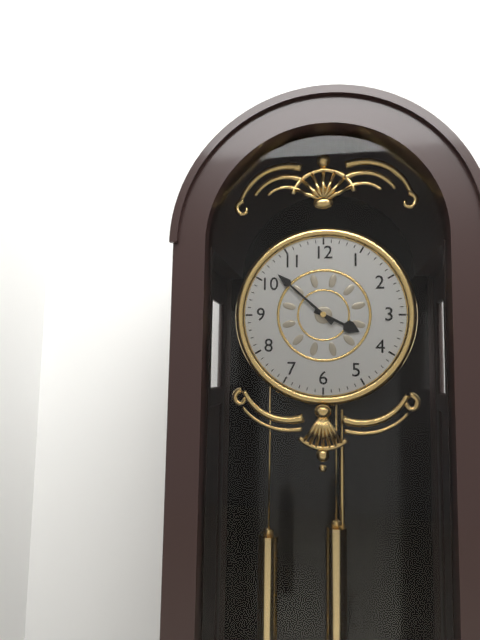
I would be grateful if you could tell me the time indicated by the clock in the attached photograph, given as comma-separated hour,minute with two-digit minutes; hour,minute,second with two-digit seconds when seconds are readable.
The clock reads 3,52
